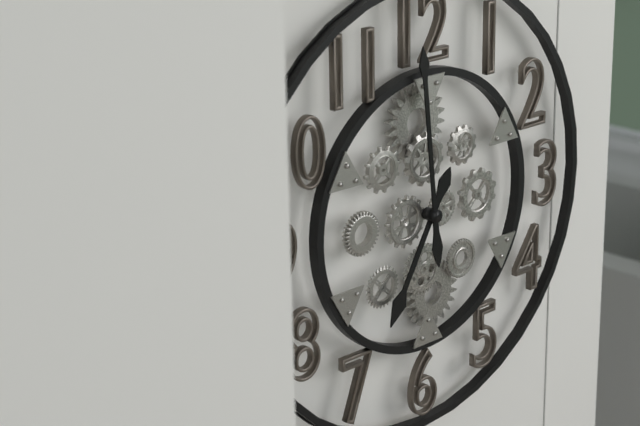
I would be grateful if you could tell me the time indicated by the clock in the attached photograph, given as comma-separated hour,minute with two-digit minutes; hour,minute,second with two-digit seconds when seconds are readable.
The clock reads 6,59
